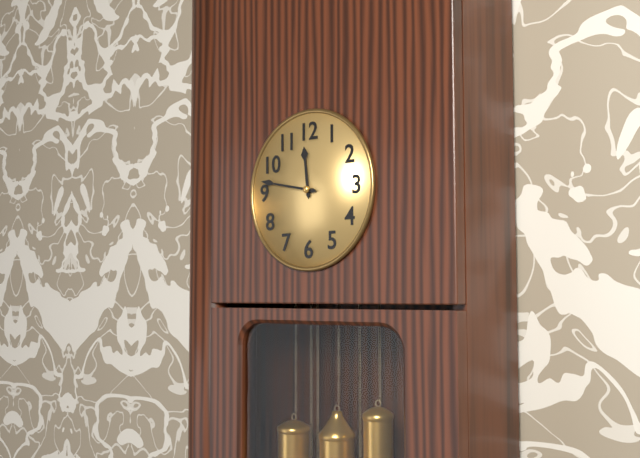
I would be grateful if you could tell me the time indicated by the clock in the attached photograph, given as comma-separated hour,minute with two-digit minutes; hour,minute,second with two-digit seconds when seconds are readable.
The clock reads 11,47
